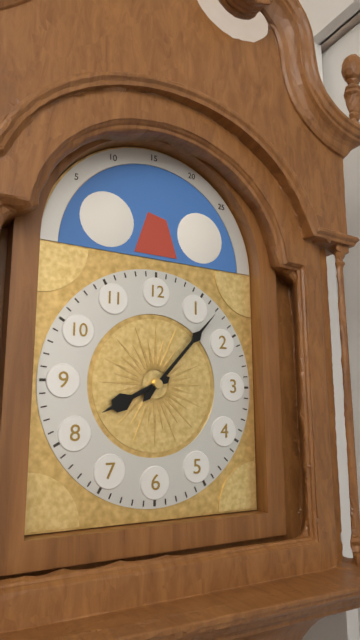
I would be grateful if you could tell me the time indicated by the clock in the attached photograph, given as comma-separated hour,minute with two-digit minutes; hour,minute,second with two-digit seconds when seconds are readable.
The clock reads 8,07
